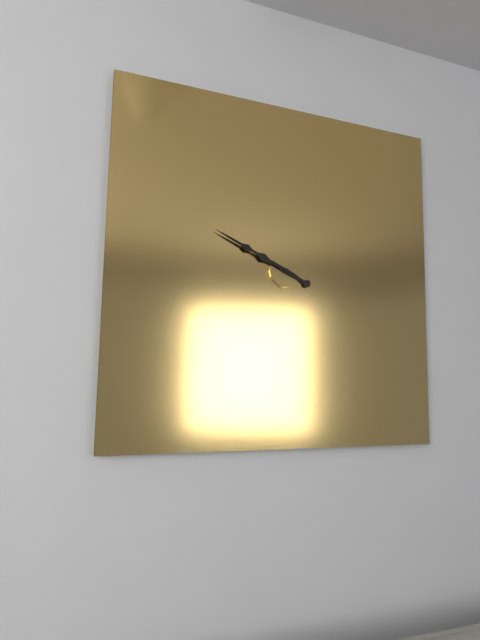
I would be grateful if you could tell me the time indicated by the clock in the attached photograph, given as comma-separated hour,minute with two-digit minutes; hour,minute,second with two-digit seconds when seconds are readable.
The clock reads 3,49
